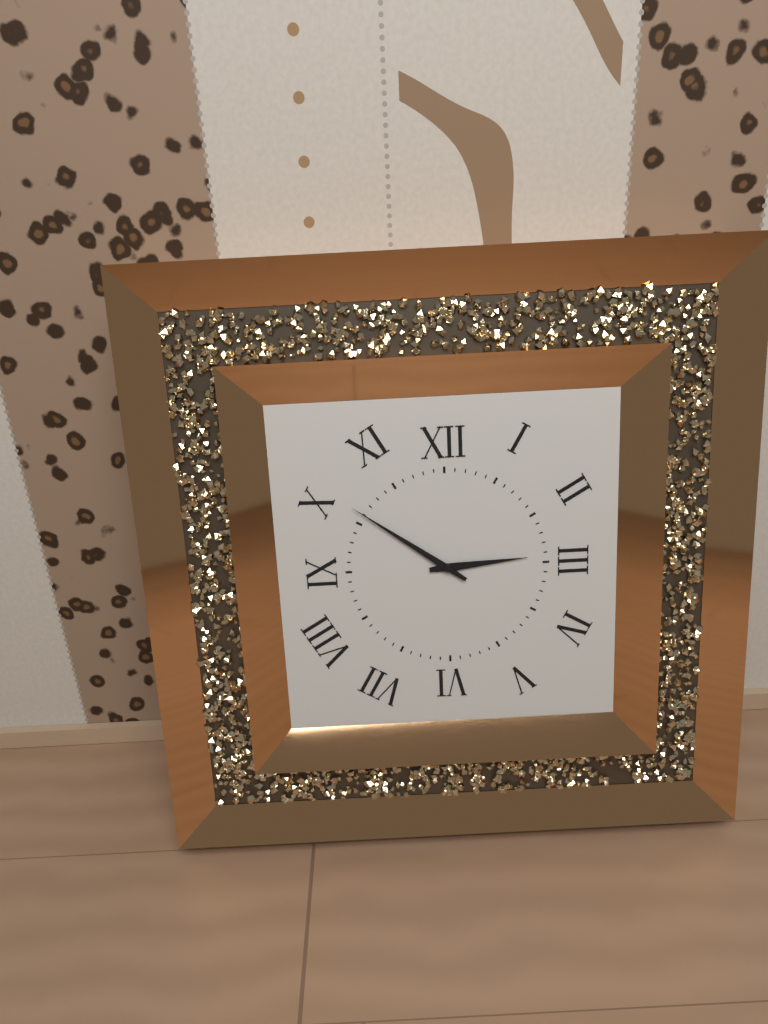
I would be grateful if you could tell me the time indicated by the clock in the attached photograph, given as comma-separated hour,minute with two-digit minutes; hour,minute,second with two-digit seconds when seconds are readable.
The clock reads 2,51
